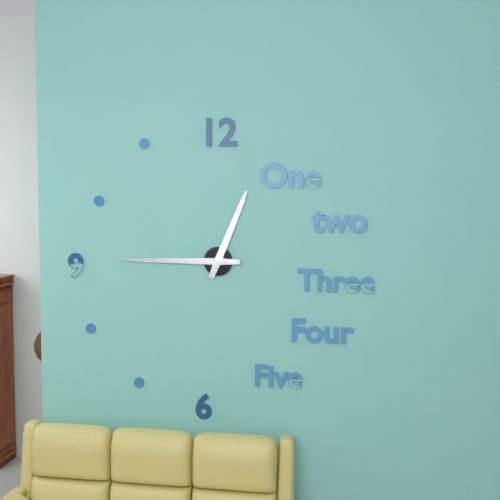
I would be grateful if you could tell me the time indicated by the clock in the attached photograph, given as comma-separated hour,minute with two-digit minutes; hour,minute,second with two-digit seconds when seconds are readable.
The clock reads 12,45
